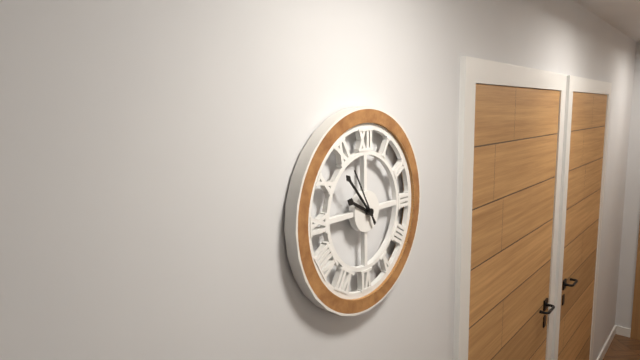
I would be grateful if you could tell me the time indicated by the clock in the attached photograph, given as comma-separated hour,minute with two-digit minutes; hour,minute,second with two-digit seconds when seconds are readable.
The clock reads 9,53,55
